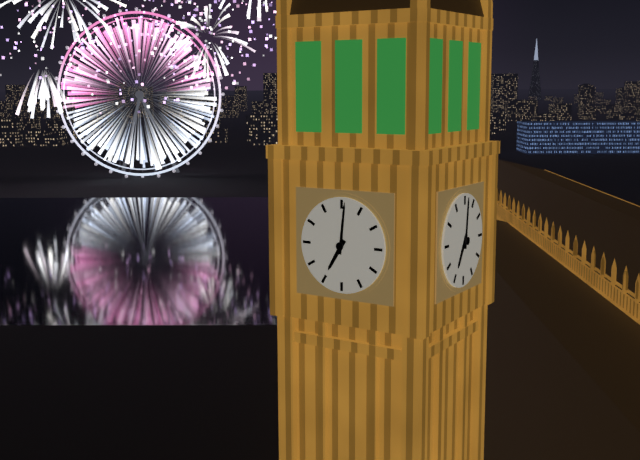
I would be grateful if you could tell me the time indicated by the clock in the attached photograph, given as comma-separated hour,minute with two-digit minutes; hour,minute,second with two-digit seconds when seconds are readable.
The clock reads 7,01
